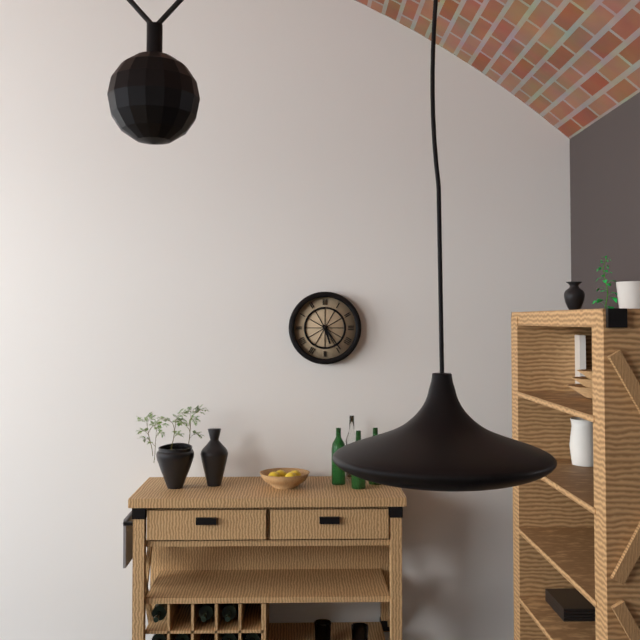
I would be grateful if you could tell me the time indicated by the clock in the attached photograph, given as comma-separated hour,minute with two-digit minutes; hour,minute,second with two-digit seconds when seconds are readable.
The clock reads 5,24
